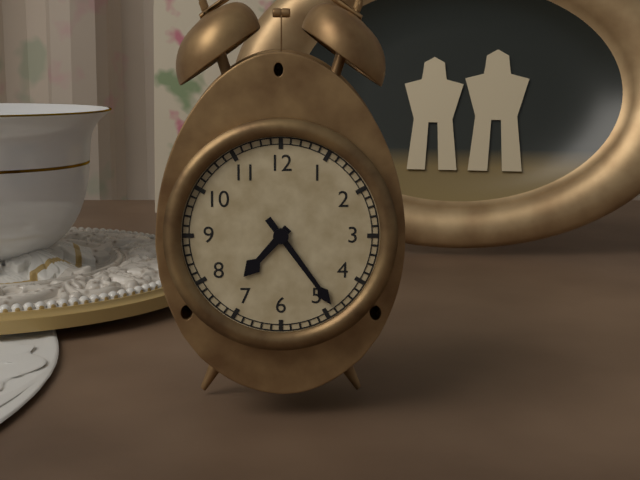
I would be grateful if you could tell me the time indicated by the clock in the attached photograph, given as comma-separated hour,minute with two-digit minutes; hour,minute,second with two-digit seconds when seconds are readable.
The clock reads 7,24
